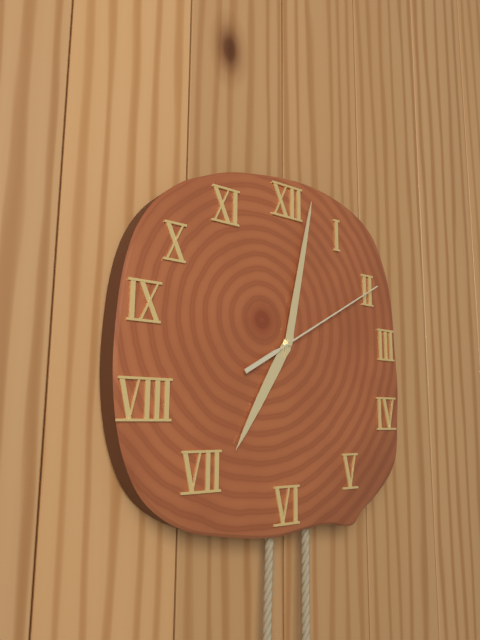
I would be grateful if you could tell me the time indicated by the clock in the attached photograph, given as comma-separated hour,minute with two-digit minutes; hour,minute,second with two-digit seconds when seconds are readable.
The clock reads 7,02,10
